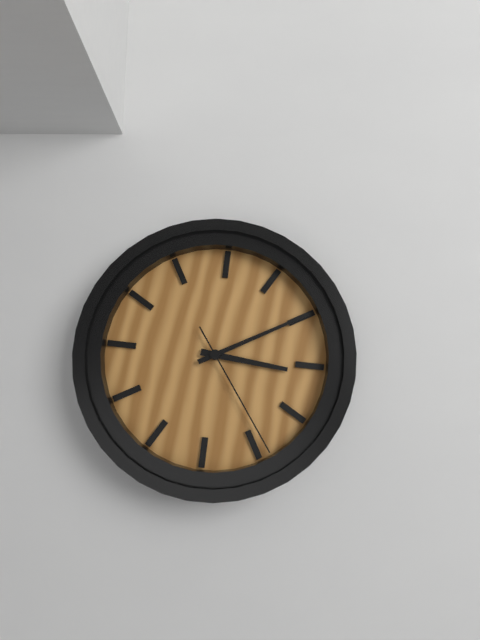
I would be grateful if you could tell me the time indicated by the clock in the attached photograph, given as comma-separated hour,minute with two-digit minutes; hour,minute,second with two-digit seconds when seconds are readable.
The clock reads 3,10,24
